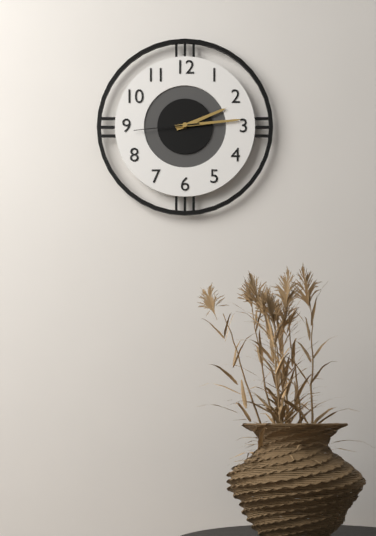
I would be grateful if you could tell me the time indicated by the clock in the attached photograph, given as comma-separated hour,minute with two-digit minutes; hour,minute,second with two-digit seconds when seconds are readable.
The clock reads 2,14,44
